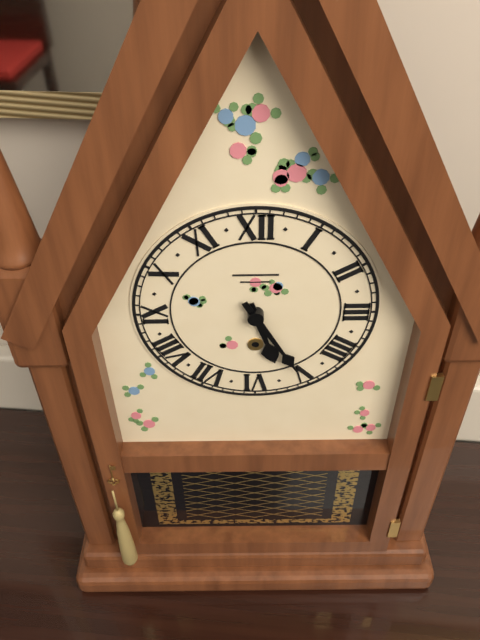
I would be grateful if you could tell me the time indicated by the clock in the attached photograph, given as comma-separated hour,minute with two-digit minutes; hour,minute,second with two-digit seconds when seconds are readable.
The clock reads 5,25
